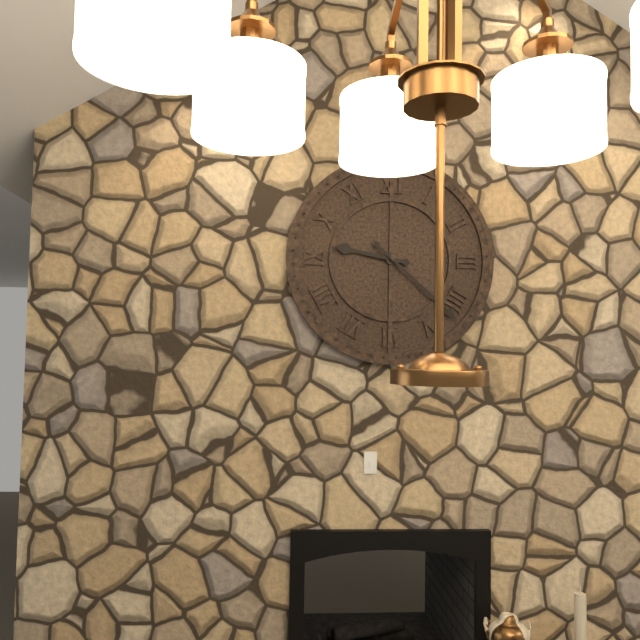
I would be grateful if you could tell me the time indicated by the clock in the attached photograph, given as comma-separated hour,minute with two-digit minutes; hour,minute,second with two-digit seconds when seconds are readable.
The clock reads 9,22
